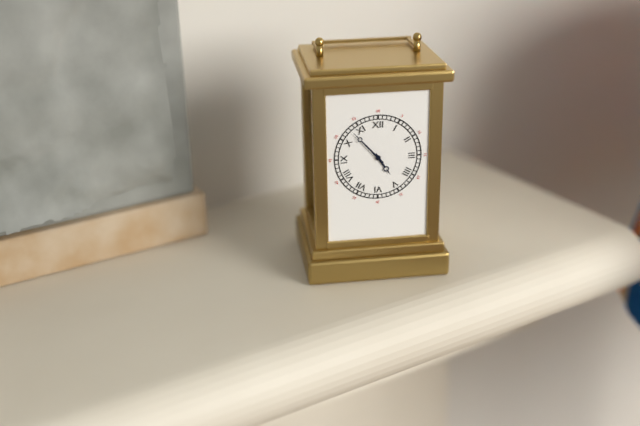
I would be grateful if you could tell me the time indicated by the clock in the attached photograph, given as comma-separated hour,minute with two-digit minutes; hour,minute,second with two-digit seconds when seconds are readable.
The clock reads 4,53
